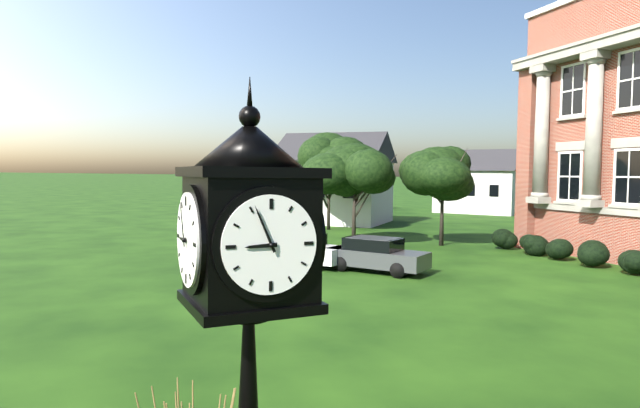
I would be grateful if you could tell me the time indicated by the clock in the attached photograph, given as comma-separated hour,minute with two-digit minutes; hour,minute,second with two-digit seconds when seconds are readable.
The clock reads 8,56
